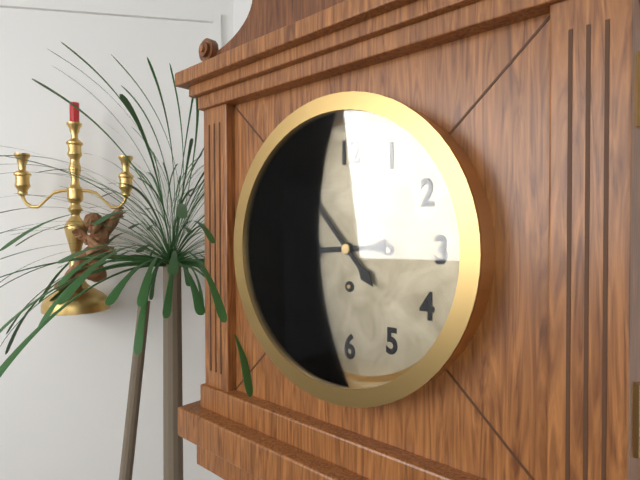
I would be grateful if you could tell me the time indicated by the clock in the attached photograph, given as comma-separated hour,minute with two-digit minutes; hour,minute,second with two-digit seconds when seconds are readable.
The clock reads 8,53
